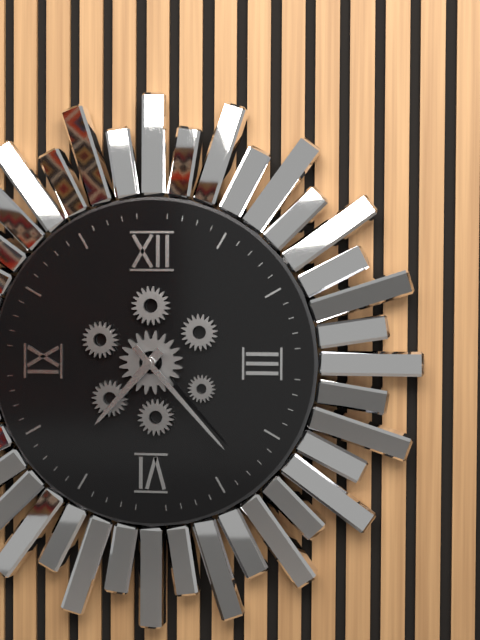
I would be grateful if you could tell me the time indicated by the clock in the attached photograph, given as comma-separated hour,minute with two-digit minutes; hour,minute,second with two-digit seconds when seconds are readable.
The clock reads 7,23
